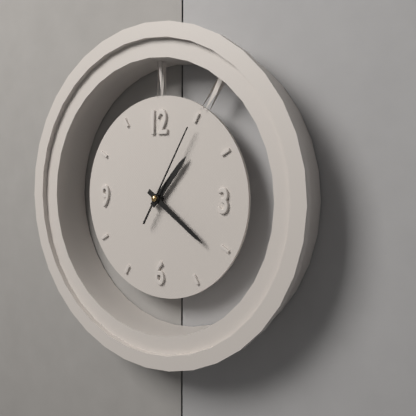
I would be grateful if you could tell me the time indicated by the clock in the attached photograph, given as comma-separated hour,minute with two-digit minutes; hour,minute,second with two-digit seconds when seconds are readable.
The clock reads 1,21,05
